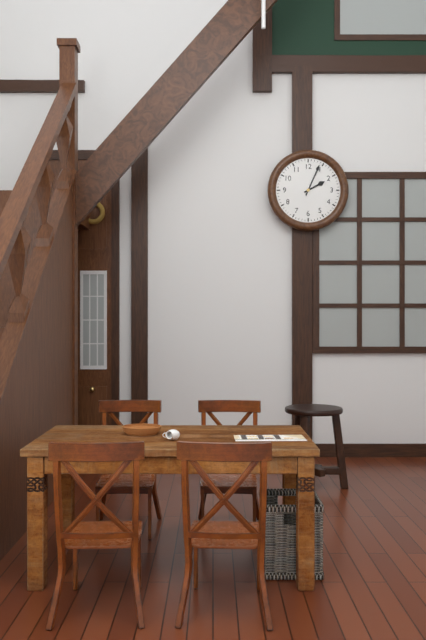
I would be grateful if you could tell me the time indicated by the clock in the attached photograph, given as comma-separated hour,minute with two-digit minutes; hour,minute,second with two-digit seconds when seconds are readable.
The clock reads 2,04
